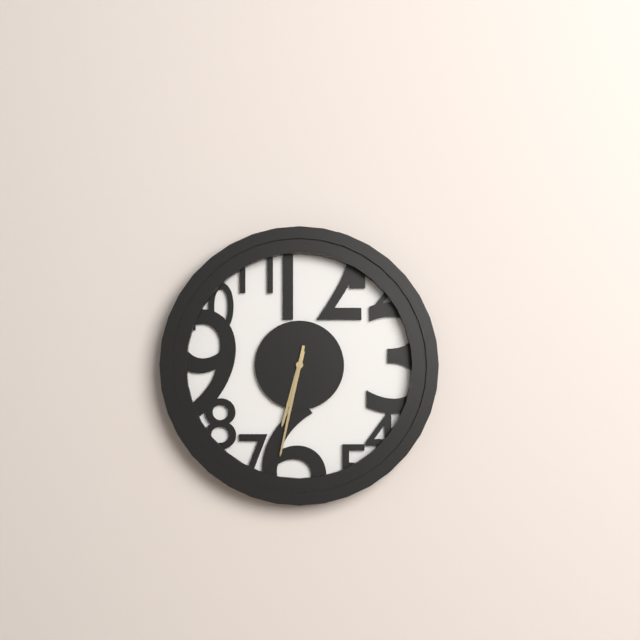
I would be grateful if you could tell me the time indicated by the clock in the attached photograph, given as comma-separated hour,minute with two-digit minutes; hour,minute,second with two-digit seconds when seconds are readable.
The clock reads 6,32
